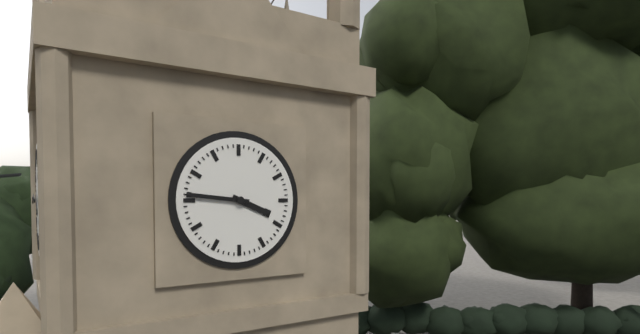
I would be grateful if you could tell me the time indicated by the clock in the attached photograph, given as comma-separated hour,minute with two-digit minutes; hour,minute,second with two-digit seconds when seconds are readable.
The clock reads 3,46
